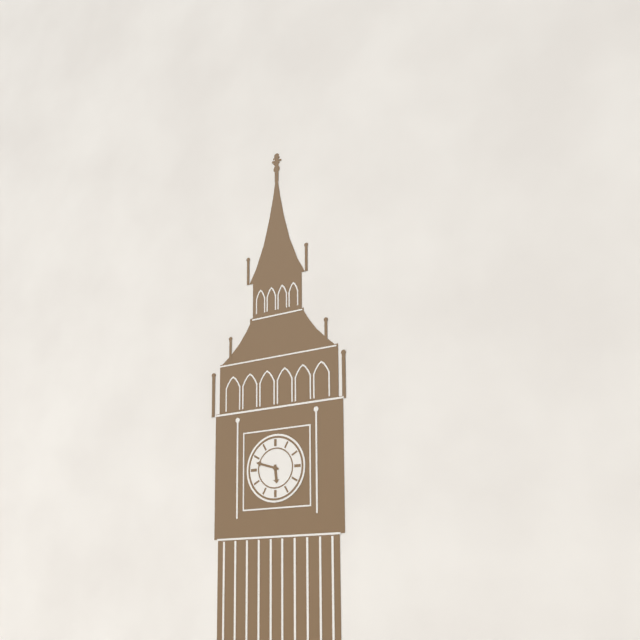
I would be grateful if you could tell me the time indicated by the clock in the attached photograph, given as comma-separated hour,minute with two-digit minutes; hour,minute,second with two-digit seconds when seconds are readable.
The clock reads 5,48
